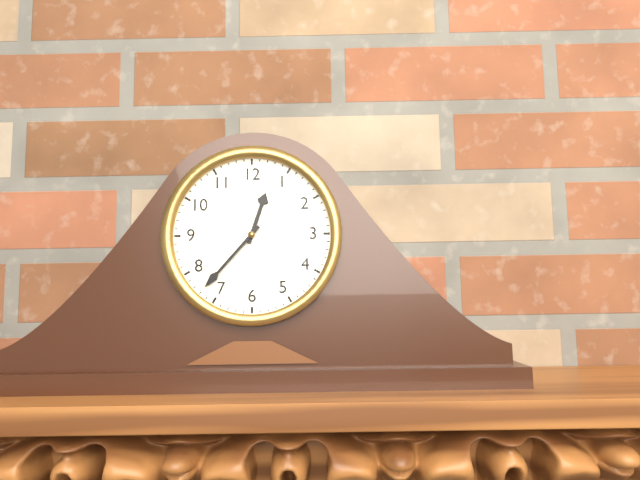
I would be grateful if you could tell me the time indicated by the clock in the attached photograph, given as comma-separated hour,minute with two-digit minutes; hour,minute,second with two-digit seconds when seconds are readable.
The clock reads 12,37
